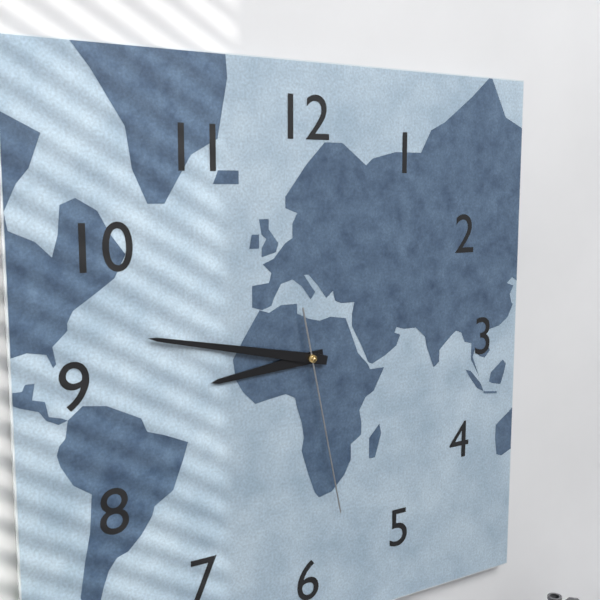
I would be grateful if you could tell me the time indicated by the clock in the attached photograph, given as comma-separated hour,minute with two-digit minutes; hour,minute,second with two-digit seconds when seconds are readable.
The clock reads 8,47,28
